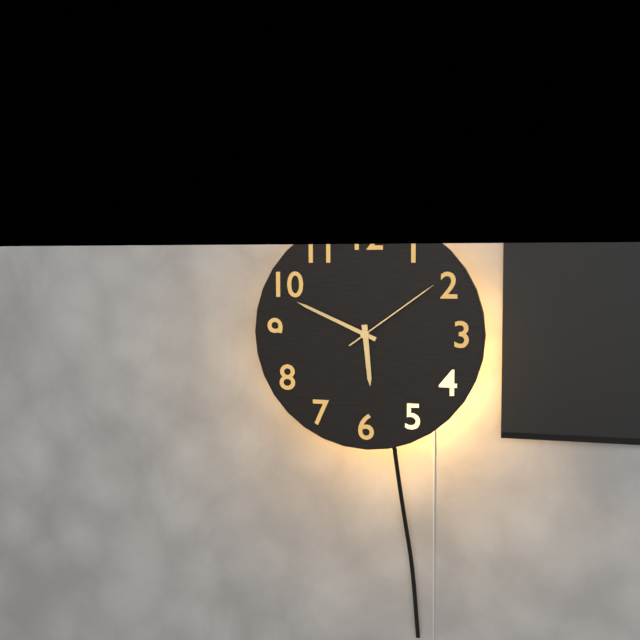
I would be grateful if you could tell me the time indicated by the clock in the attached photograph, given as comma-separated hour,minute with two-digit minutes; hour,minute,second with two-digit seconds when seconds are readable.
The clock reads 5,49,09
